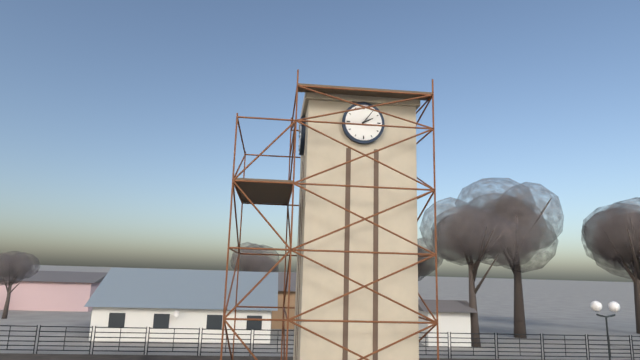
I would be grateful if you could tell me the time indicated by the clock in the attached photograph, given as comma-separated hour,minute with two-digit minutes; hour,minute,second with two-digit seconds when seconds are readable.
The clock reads 2,06
